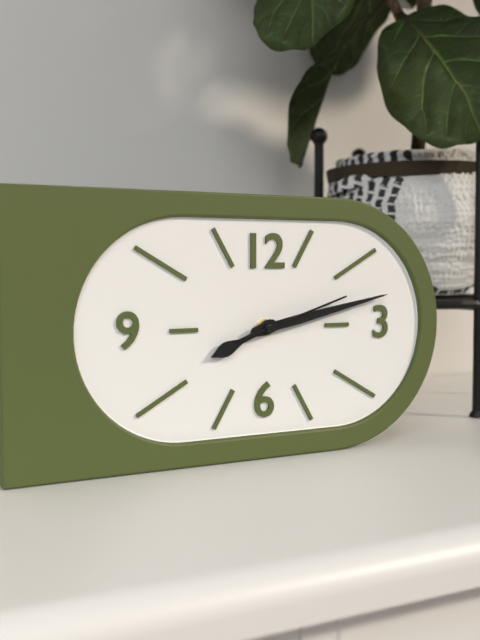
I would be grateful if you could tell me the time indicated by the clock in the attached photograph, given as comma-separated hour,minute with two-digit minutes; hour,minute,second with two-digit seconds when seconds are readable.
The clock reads 8,13,12
